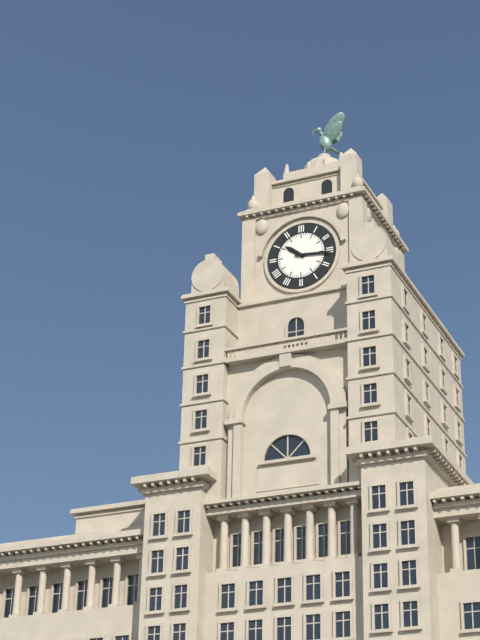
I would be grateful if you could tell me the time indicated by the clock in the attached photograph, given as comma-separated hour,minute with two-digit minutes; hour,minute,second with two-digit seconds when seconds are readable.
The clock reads 10,16
